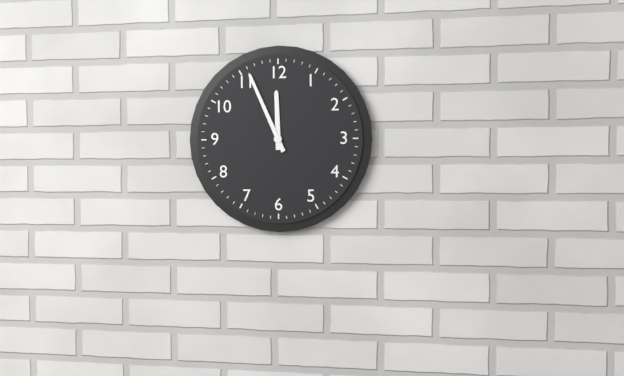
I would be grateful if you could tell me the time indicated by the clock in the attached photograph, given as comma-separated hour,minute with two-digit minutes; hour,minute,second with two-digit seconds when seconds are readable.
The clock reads 11,56
